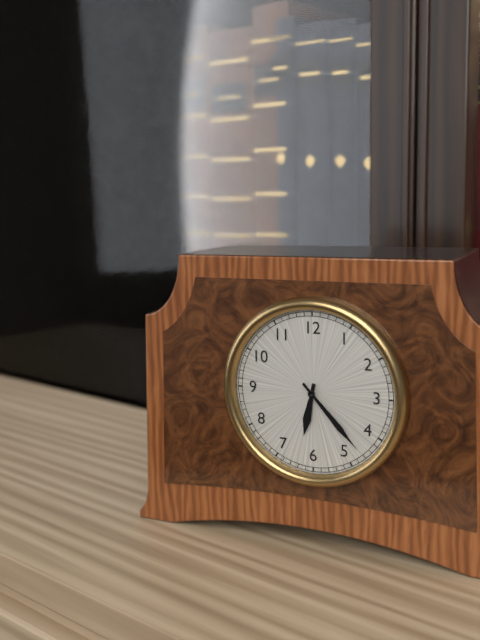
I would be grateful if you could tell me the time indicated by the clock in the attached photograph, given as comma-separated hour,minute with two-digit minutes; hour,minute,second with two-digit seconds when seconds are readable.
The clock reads 6,23
